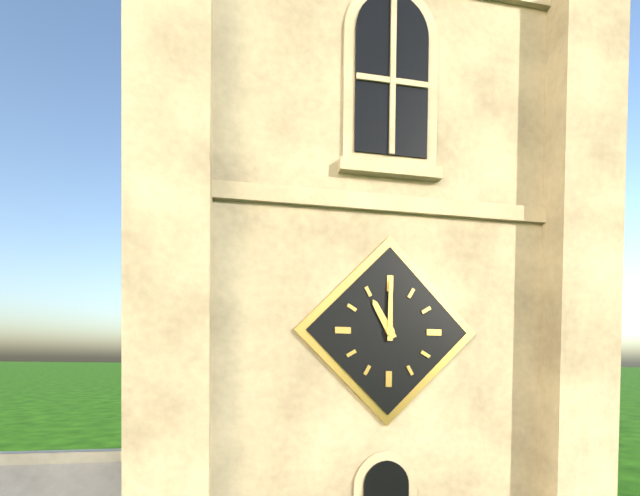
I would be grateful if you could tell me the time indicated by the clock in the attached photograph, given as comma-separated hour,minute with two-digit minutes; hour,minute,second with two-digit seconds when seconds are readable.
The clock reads 11,00
